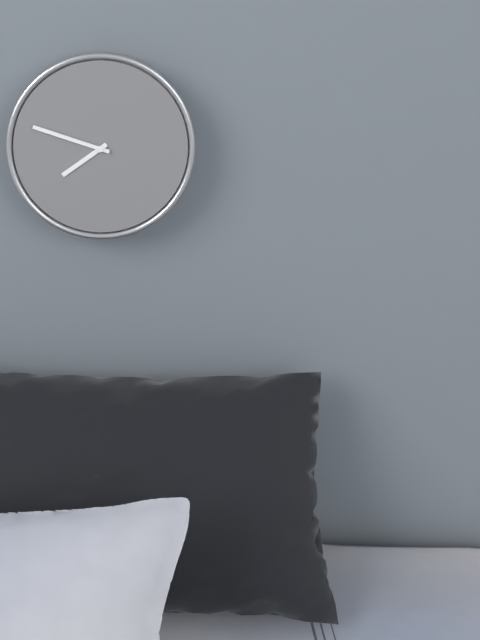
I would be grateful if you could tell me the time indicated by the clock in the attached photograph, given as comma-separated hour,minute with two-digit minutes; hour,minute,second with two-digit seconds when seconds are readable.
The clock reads 7,48
